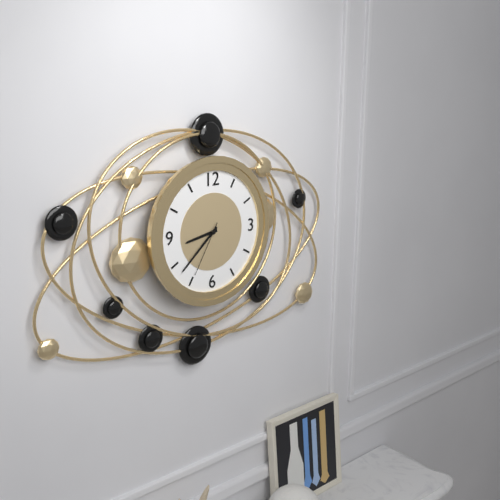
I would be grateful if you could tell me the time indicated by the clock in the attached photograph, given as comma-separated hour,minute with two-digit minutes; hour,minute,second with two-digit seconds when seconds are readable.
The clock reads 8,38,35
